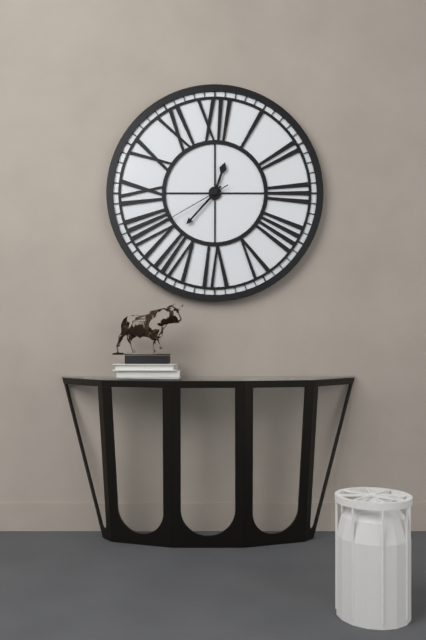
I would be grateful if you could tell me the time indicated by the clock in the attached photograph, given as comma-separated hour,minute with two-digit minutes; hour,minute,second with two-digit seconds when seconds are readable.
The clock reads 12,37,40
